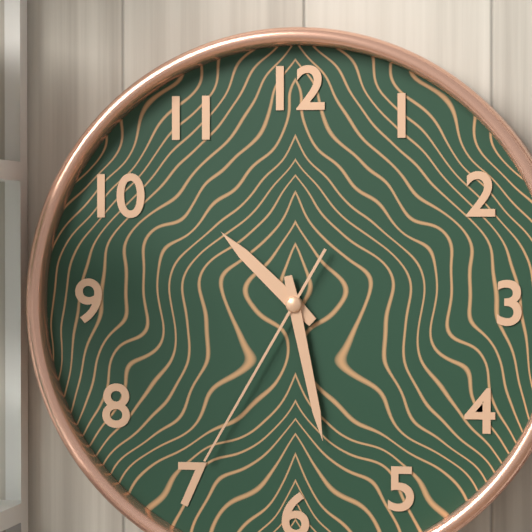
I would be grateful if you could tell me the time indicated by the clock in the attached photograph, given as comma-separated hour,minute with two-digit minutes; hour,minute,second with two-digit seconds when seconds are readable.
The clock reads 10,28,35
